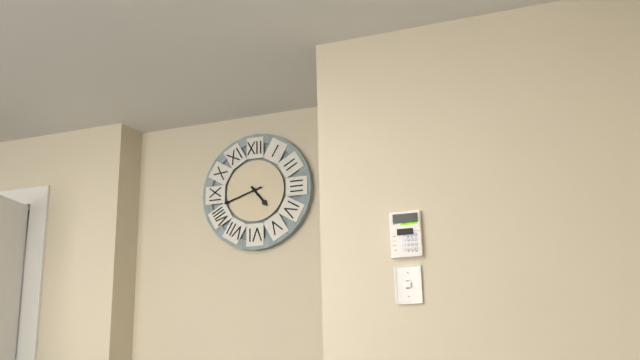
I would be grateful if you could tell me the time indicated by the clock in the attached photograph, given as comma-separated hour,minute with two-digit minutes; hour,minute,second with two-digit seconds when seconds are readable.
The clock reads 4,42
